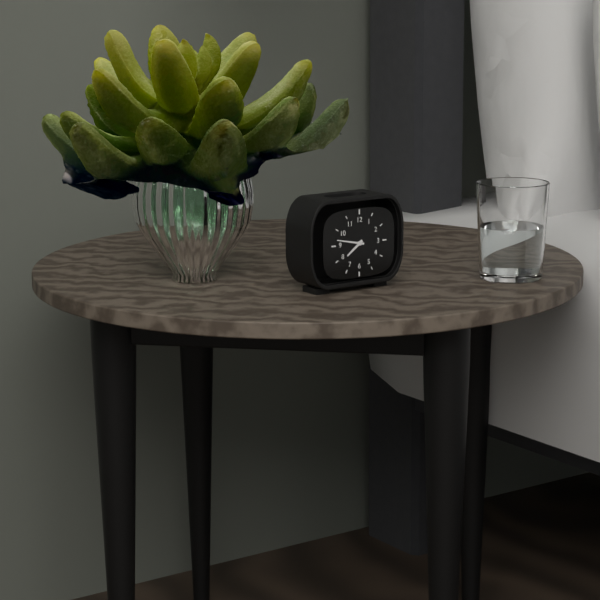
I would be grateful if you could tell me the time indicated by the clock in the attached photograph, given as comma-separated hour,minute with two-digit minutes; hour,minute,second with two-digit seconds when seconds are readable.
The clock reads 7,47
